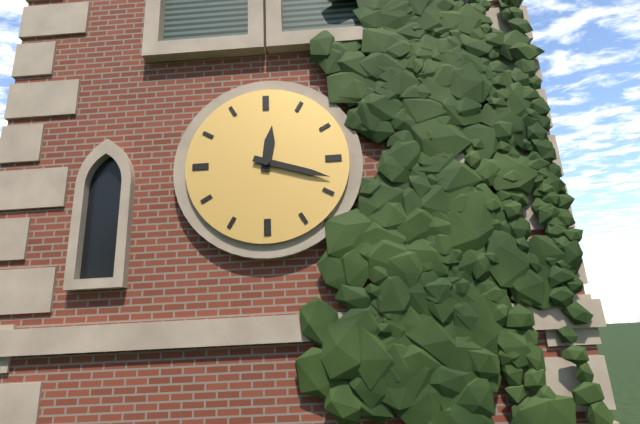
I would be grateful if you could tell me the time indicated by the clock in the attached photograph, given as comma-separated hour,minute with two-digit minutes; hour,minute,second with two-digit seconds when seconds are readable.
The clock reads 12,18
